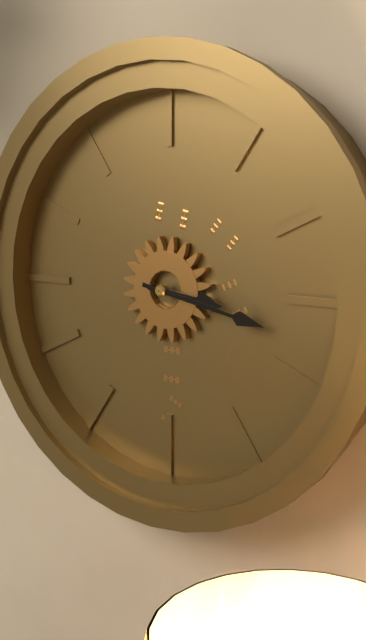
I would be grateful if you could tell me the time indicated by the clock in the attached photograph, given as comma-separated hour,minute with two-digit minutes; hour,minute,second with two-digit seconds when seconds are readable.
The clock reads 3,17
